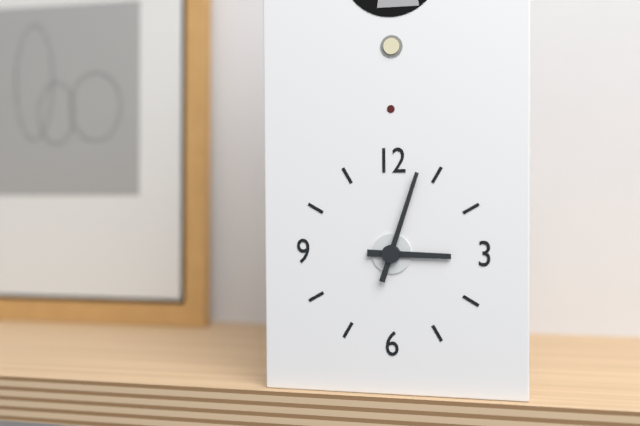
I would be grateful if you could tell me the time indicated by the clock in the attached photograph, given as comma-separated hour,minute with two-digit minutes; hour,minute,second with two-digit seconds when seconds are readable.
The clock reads 3,03
